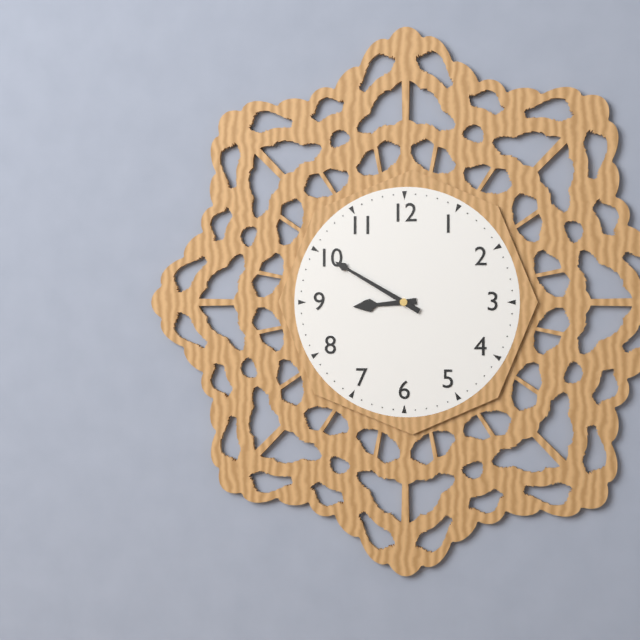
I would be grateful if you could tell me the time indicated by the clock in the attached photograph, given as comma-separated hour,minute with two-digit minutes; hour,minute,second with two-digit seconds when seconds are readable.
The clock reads 8,50
